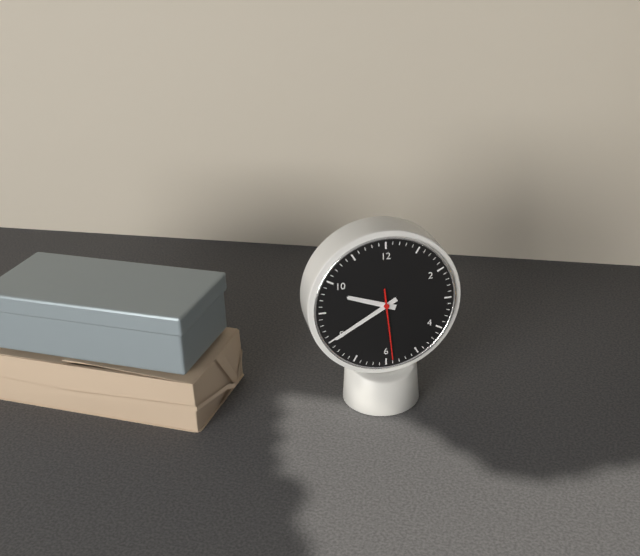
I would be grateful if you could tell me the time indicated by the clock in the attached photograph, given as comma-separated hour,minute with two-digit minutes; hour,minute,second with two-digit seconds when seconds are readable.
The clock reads 9,40,29
